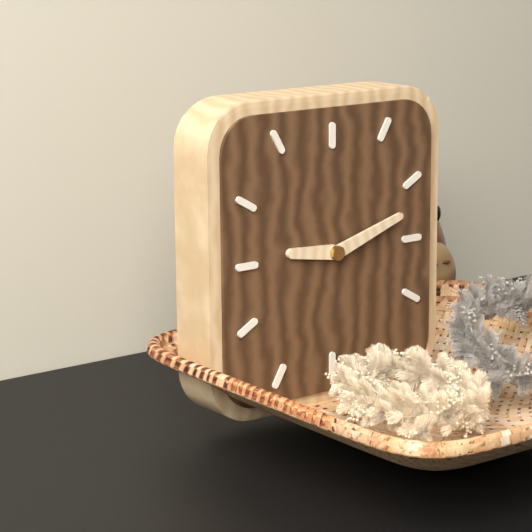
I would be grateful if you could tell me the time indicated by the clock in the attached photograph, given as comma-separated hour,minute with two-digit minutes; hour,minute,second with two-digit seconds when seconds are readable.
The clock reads 9,12
